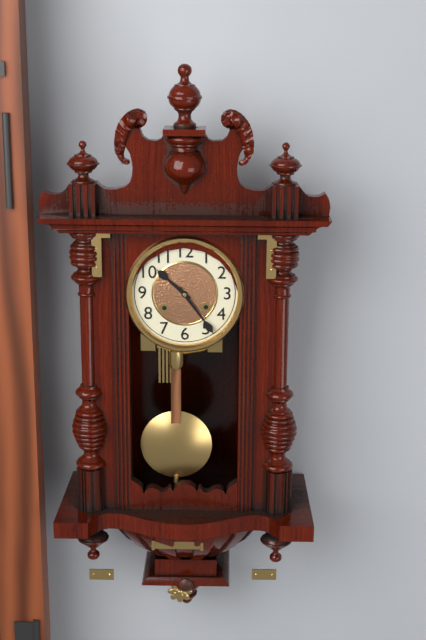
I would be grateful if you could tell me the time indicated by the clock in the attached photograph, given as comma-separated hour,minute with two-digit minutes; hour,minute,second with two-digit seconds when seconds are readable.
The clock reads 10,24
